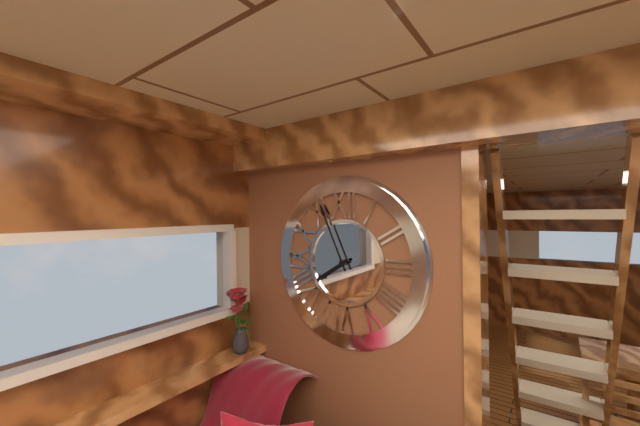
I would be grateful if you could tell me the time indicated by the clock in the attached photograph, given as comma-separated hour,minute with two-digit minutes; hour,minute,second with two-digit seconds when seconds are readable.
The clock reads 7,56
